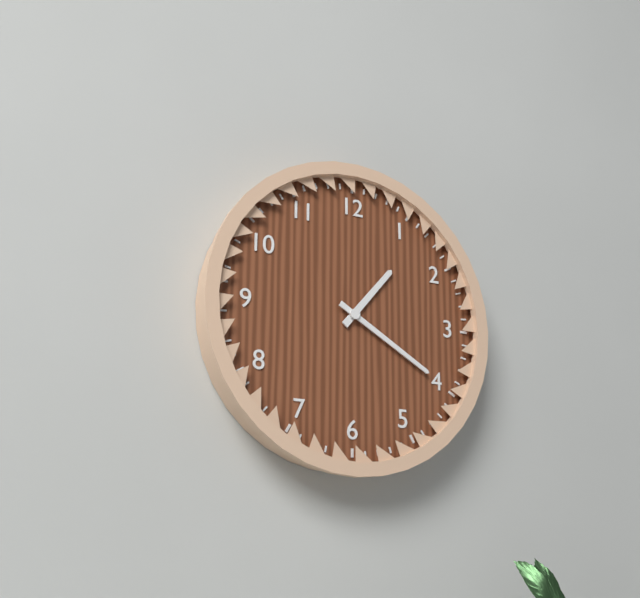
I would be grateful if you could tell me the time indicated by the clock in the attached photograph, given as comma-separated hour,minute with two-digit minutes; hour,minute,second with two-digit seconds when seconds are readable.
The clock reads 1,20
